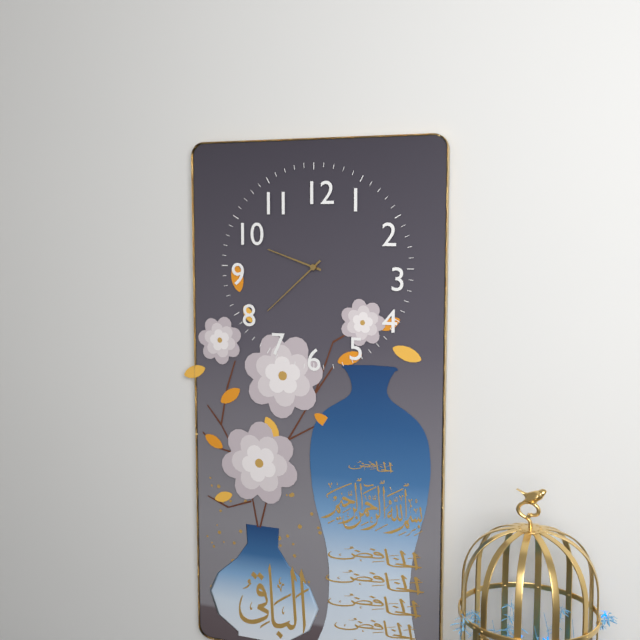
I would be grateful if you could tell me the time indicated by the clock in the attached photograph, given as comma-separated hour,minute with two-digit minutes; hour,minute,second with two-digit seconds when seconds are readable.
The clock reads 9,38
